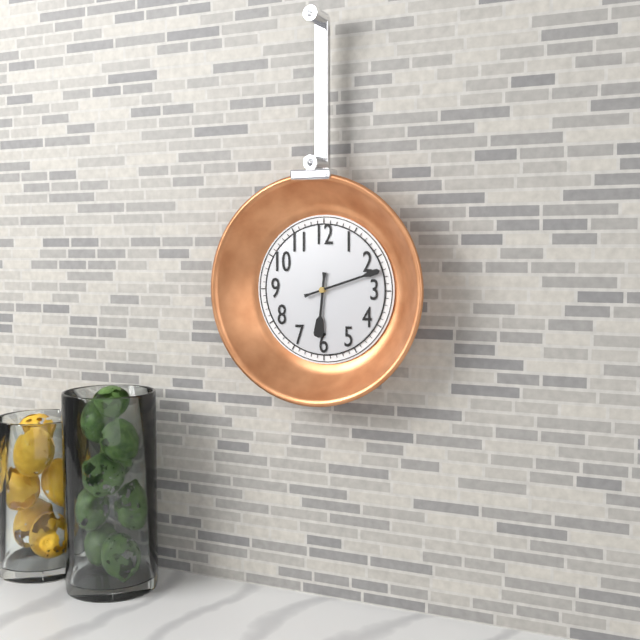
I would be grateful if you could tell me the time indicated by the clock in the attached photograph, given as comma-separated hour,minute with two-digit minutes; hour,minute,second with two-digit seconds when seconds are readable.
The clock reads 6,12
